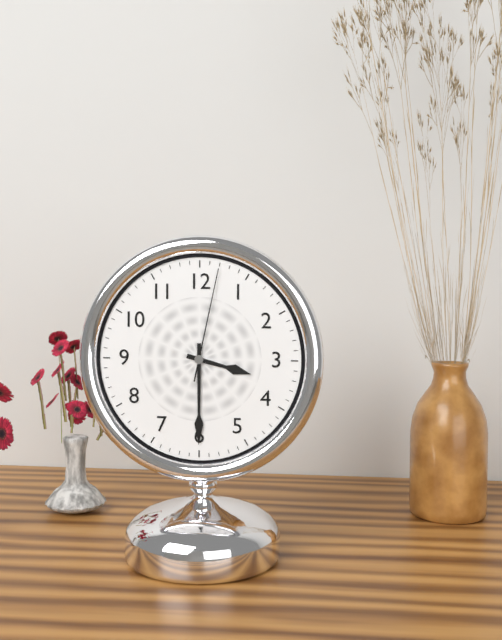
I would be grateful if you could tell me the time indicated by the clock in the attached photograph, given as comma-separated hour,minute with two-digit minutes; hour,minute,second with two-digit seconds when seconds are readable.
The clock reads 3,30,02
